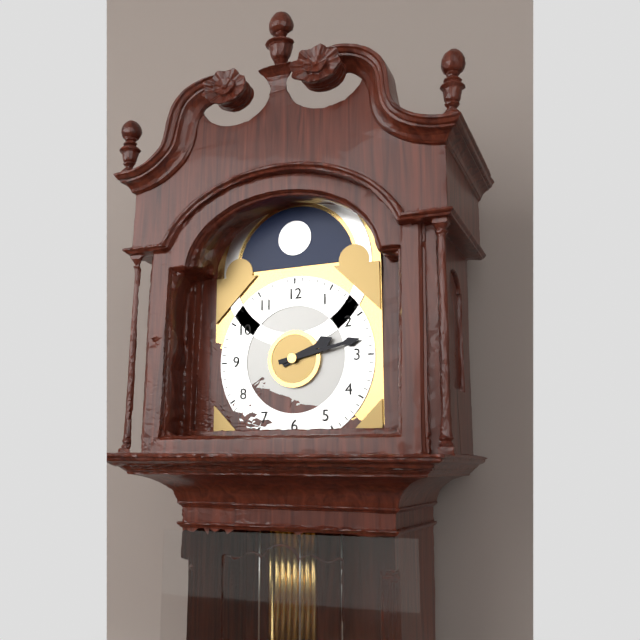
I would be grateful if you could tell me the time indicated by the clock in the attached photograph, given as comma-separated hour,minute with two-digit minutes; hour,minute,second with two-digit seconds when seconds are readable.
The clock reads 2,13
